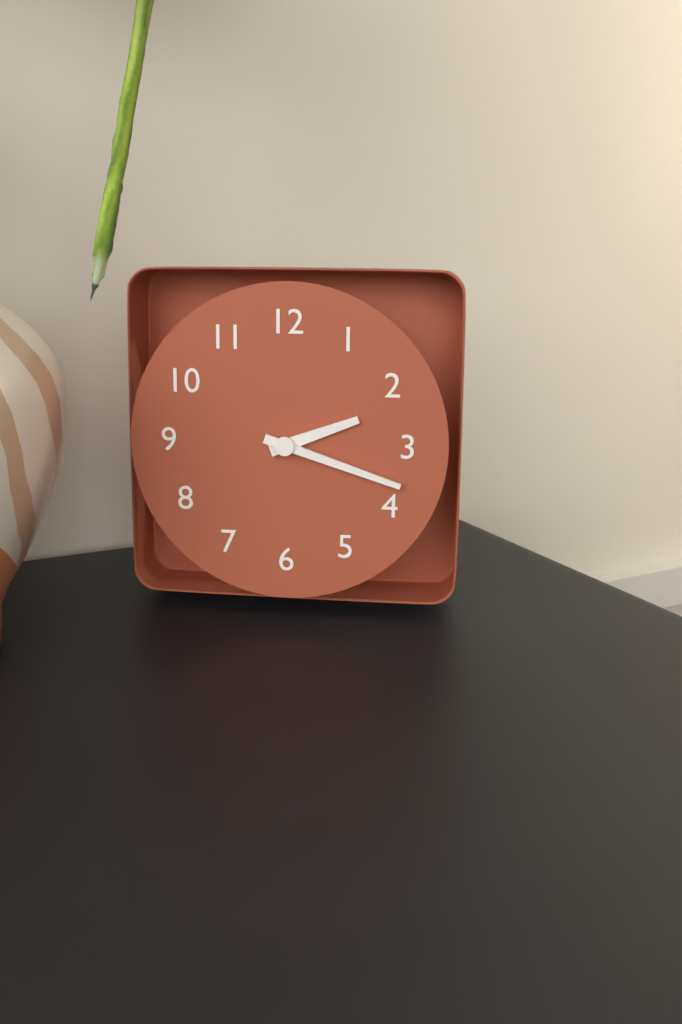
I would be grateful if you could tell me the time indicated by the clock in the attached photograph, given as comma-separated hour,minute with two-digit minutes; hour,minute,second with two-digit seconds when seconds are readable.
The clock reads 2,18
